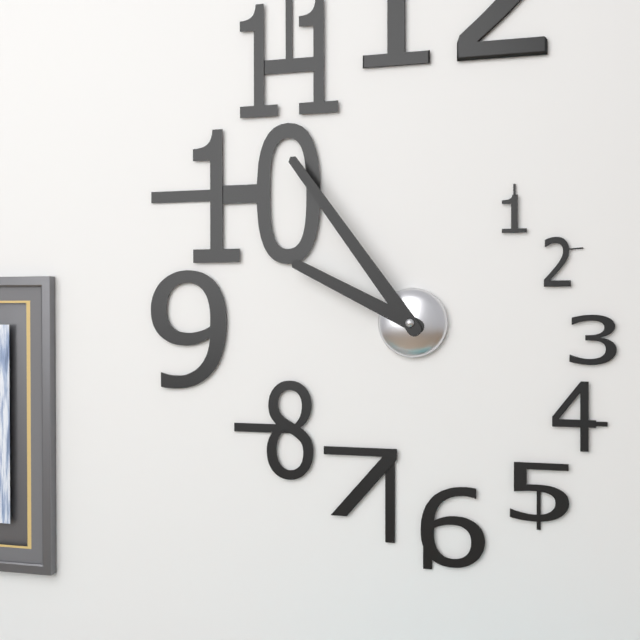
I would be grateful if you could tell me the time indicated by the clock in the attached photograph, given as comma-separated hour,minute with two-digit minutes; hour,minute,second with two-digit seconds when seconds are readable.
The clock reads 9,54
